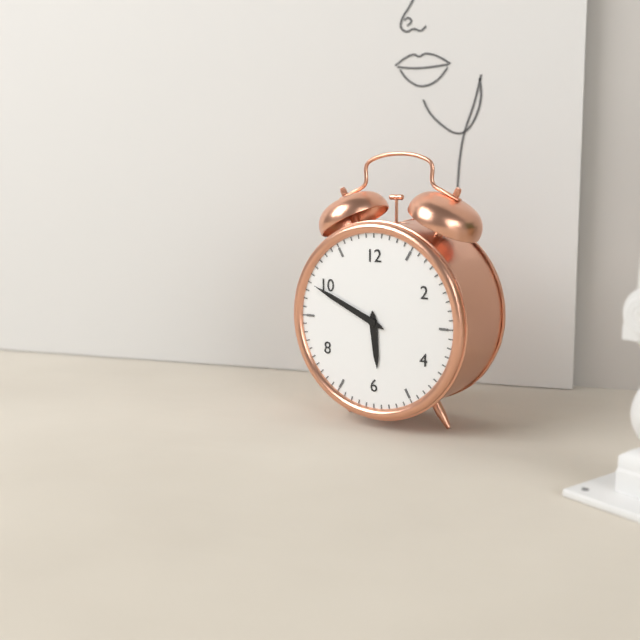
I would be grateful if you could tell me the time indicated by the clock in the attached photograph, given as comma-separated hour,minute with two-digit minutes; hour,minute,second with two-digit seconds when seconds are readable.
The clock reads 5,49
